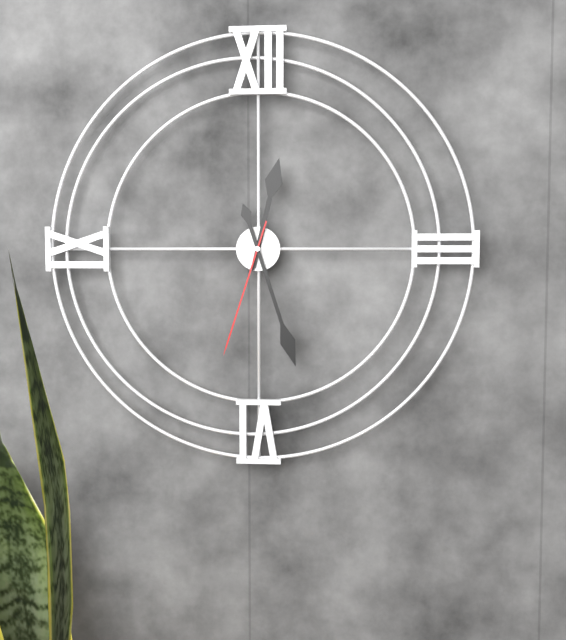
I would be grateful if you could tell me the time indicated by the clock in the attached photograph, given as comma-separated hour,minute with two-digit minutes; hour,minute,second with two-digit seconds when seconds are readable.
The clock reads 12,27,33
